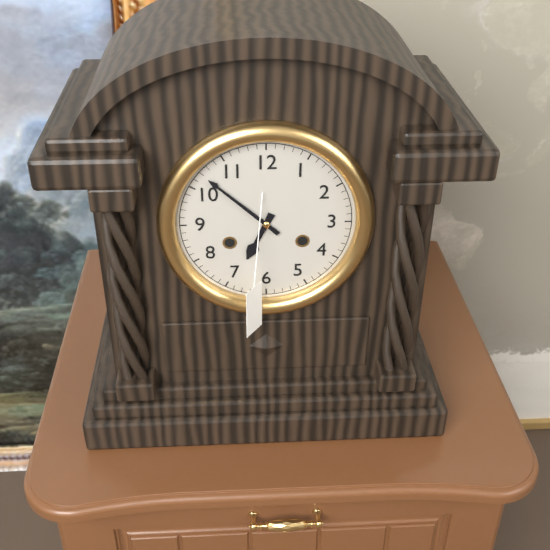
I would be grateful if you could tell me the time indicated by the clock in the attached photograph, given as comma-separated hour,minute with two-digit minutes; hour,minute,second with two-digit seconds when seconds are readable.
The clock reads 6,52
